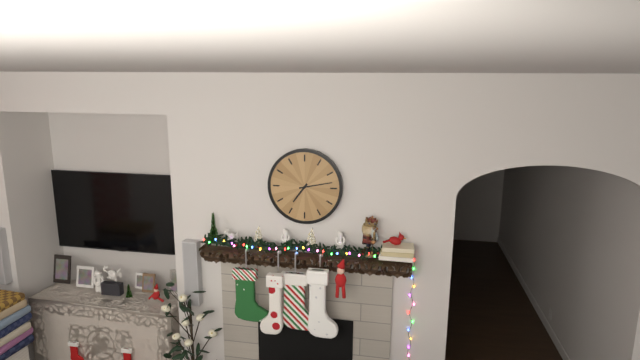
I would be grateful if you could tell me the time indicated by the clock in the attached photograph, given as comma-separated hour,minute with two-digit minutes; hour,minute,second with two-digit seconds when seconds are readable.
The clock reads 7,13
